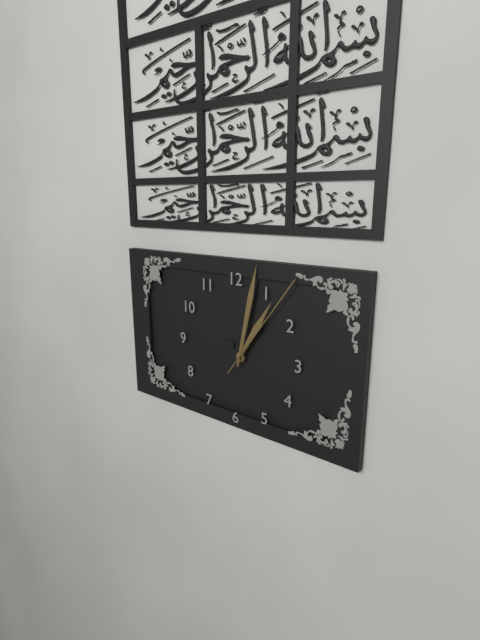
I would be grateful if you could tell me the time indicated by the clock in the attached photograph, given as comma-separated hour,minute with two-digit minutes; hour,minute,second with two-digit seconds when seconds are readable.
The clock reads 1,02,06
